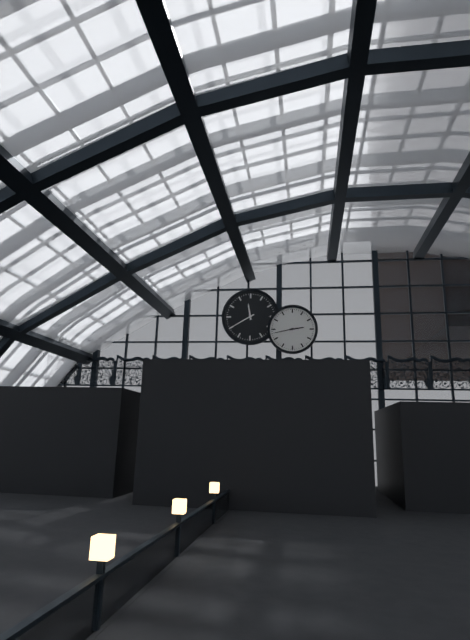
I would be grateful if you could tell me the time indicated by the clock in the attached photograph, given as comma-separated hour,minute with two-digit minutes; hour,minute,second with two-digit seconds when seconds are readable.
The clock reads 2,43
